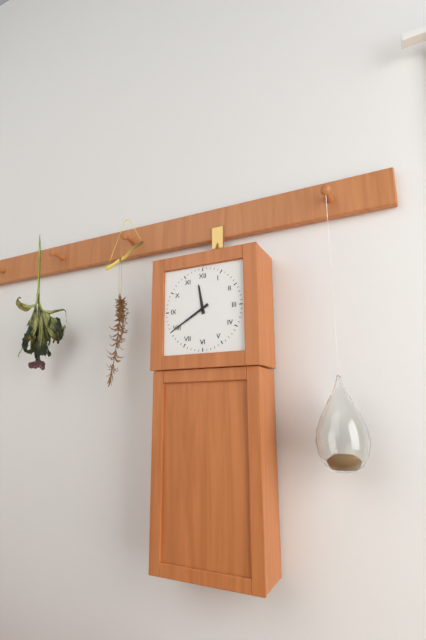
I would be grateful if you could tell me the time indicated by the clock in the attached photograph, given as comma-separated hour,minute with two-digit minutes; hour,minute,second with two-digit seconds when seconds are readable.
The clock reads 11,40
